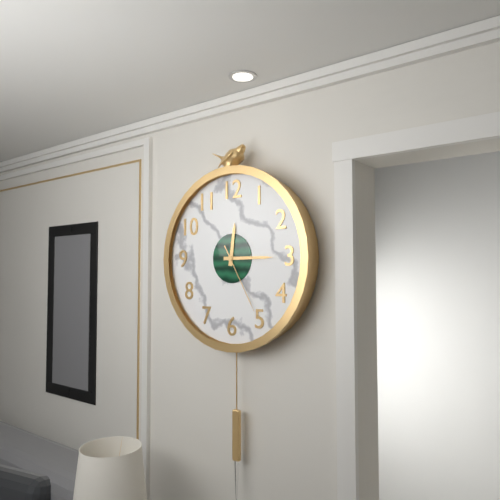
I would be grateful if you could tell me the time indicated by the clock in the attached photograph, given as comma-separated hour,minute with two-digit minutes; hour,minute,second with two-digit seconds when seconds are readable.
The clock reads 12,15,25
